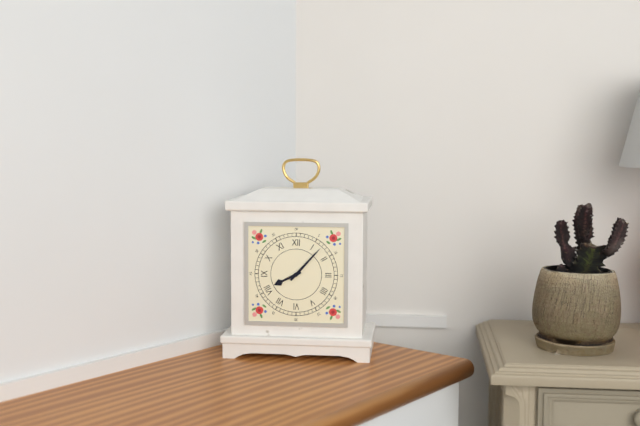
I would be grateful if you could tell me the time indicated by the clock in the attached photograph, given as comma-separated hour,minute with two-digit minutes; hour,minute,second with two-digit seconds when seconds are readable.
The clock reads 8,07
